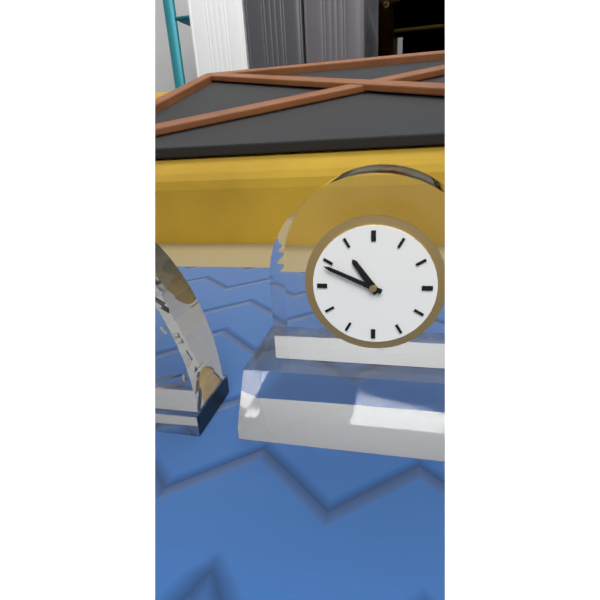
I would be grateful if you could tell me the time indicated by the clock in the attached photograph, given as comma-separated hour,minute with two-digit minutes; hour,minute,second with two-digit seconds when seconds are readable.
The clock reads 10,49
